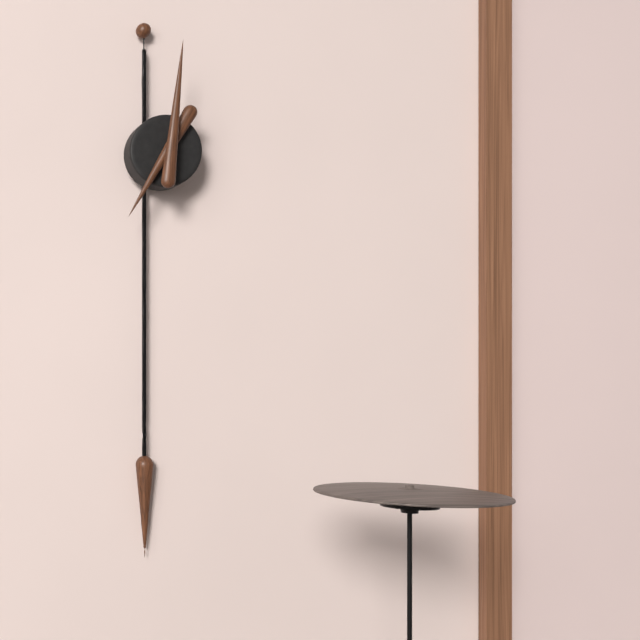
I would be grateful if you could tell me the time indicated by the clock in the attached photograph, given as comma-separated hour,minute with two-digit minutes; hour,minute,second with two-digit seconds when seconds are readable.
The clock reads 7,01
